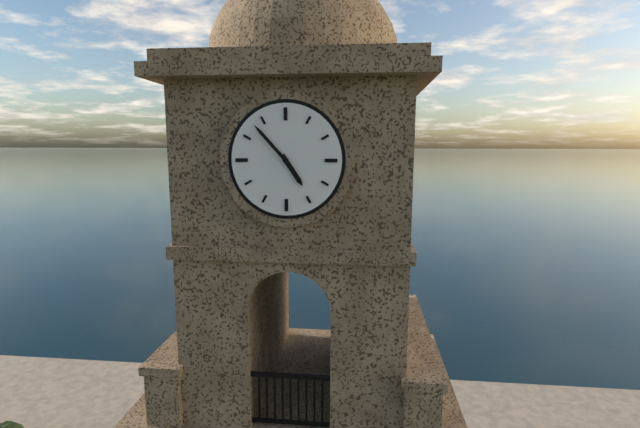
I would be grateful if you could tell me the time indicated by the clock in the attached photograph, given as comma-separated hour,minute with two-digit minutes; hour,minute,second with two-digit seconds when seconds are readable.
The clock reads 4,53
